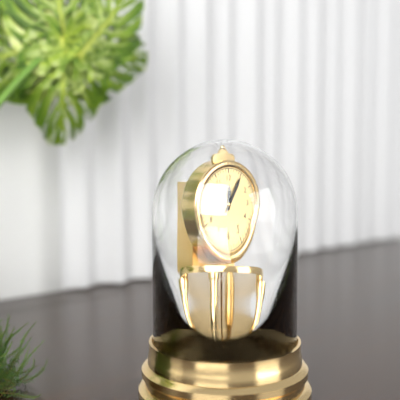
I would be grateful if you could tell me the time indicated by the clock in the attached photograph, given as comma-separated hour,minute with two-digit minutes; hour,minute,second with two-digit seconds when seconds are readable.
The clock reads 12,05
